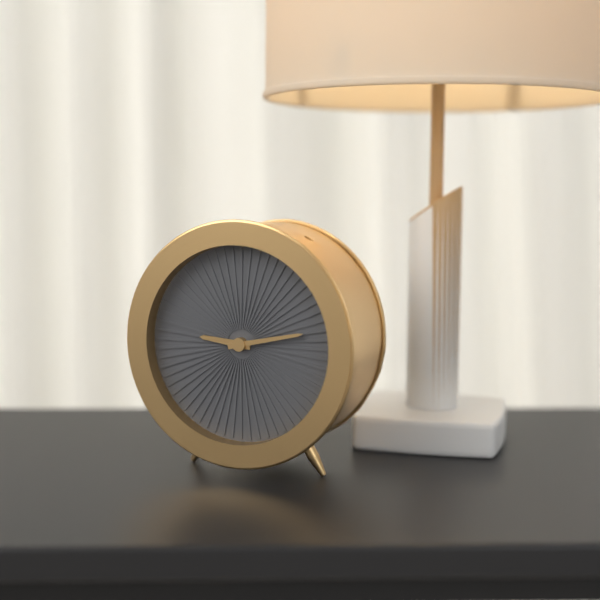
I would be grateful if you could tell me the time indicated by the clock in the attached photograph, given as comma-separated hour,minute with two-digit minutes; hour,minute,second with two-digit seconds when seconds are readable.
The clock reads 9,13
